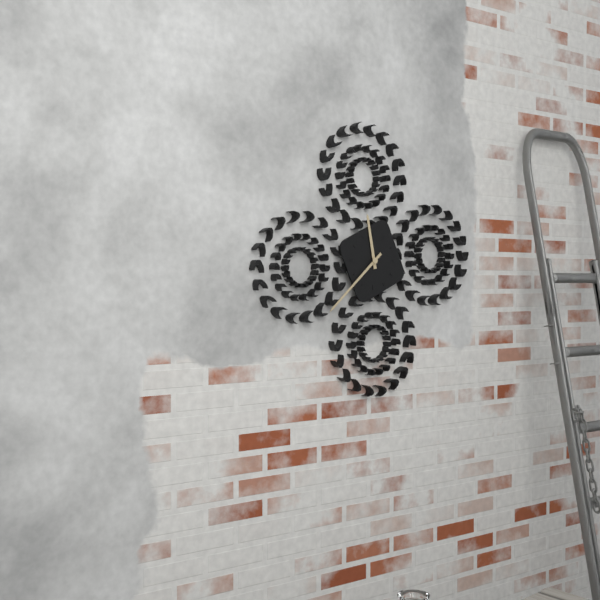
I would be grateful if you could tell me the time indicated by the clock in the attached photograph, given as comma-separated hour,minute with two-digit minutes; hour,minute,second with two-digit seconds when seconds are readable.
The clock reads 11,38
